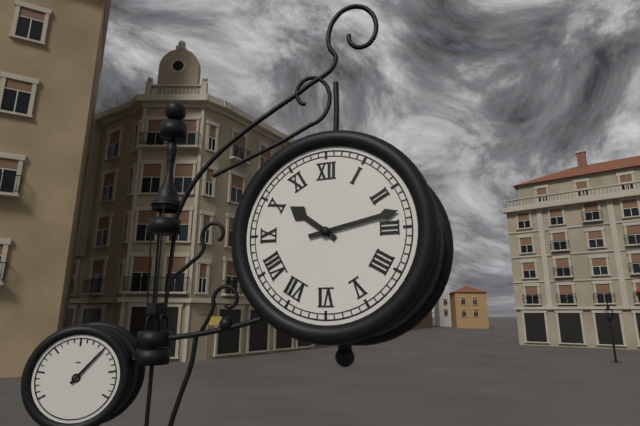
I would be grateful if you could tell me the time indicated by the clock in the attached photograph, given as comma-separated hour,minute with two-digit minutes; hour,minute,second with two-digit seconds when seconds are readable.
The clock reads 10,13
